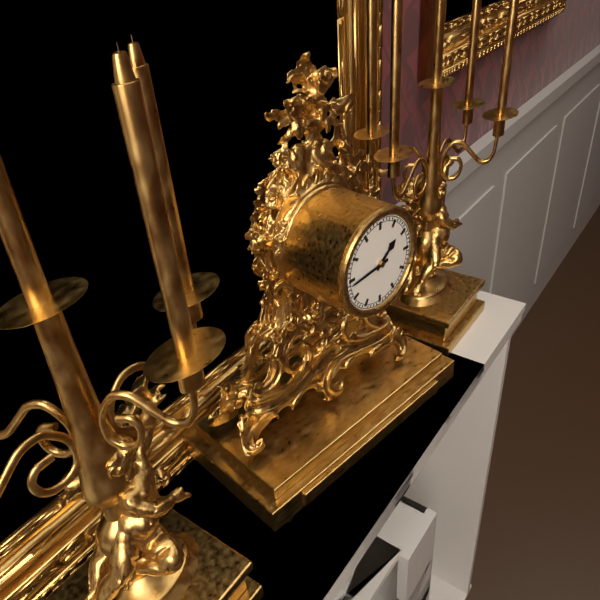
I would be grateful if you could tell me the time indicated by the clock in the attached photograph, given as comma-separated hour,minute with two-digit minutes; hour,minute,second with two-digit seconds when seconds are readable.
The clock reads 1,44
